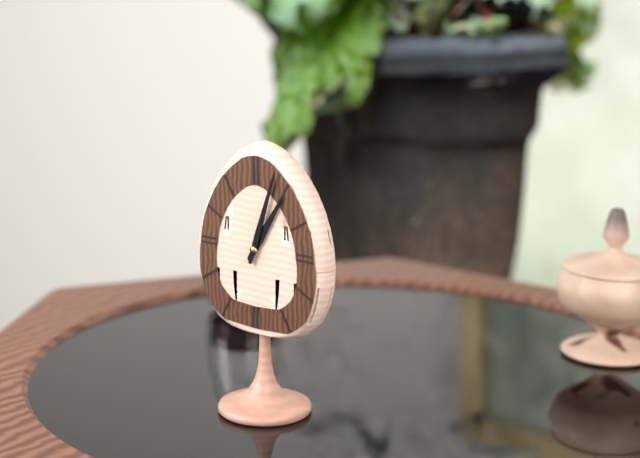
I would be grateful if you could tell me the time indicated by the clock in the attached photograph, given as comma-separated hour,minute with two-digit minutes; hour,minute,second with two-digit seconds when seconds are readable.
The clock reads 1,03
